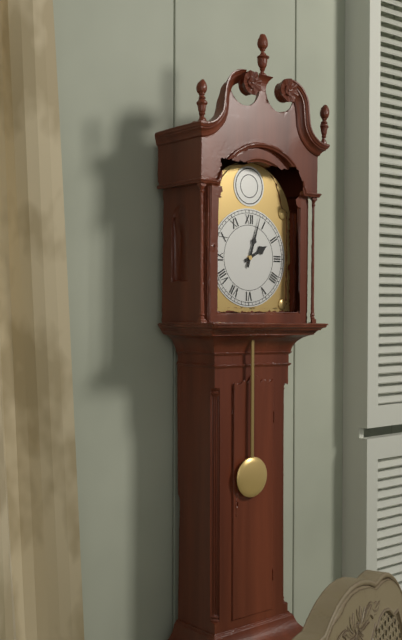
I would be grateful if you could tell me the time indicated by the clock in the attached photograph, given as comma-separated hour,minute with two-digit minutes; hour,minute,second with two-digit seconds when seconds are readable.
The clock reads 2,03
